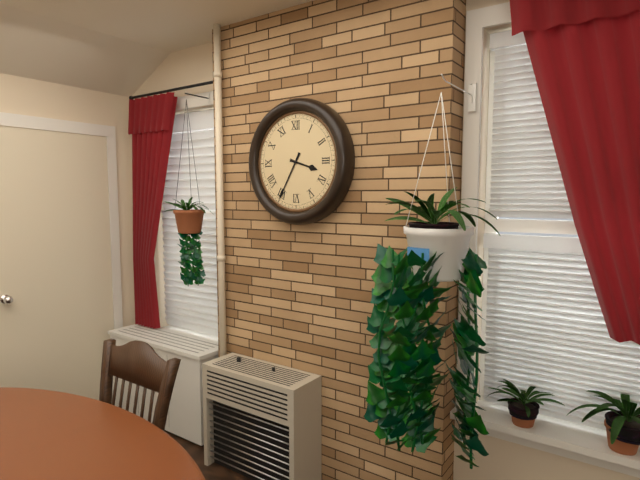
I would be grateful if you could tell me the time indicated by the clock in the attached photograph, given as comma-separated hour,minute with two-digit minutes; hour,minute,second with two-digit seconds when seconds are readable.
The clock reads 3,35
